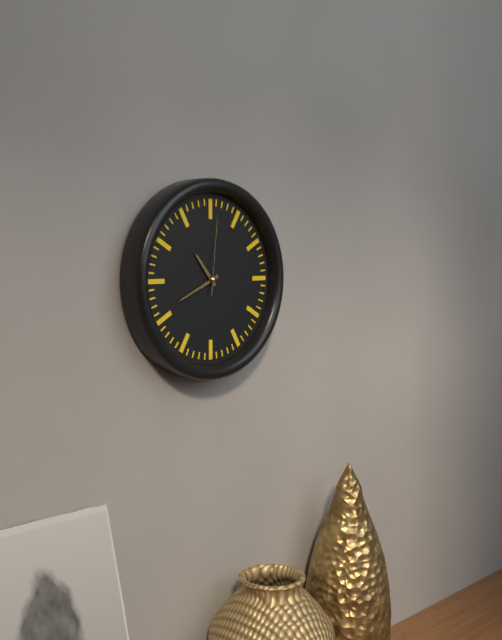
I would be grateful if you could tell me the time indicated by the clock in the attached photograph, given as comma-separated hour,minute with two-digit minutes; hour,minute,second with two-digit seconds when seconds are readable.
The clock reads 10,41,01
